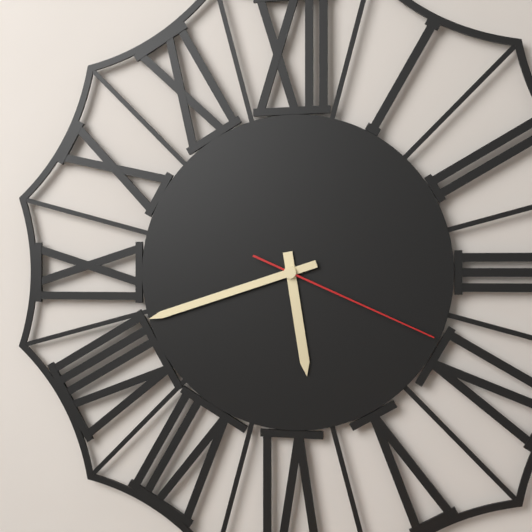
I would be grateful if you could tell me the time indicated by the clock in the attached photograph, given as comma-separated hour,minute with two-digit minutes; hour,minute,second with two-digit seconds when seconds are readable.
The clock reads 5,42,19
